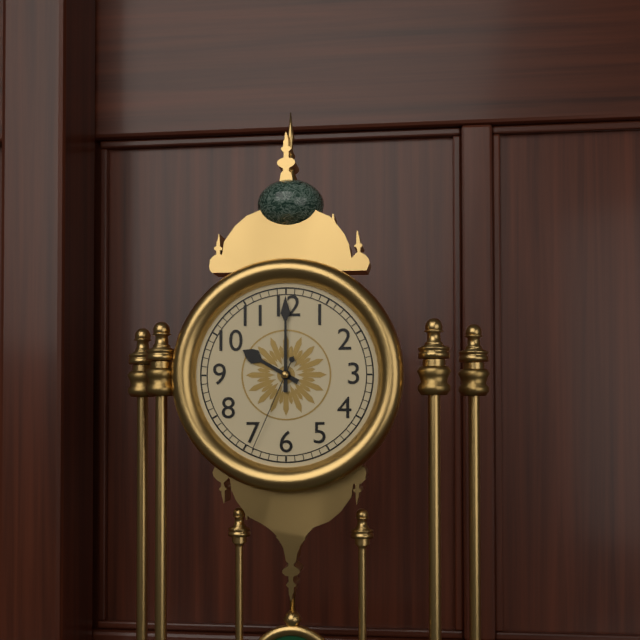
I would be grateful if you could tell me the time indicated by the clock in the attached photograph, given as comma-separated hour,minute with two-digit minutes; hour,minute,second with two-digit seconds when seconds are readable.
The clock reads 10,00,34
